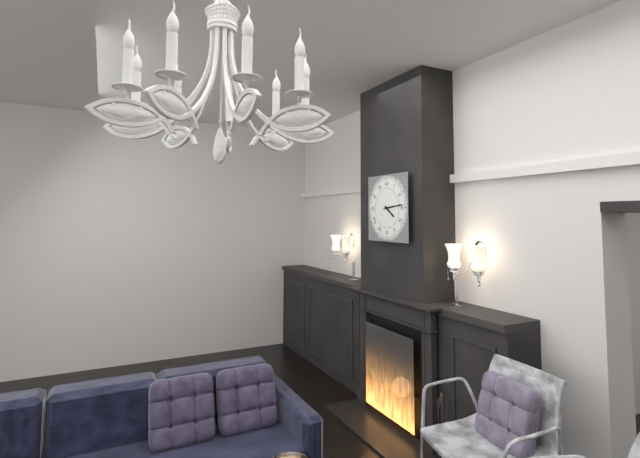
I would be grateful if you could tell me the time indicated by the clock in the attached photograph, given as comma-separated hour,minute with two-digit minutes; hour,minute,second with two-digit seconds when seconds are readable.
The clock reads 4,14
